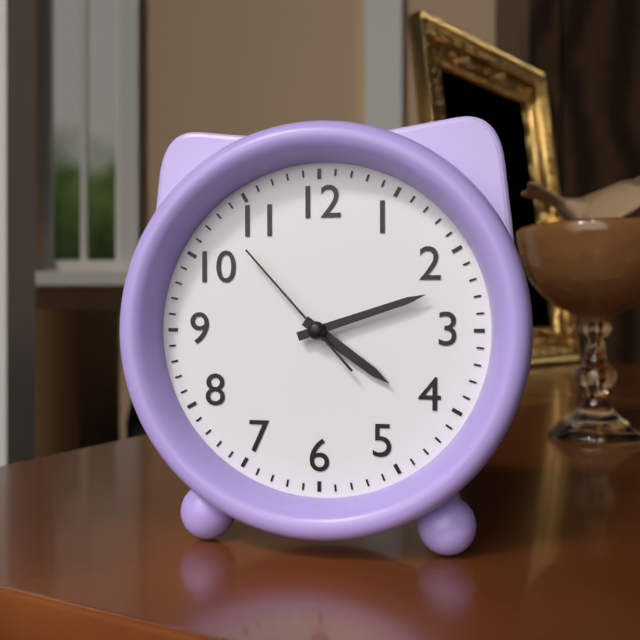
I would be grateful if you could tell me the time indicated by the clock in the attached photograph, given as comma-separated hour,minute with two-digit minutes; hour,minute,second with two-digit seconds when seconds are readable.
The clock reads 4,12,53
